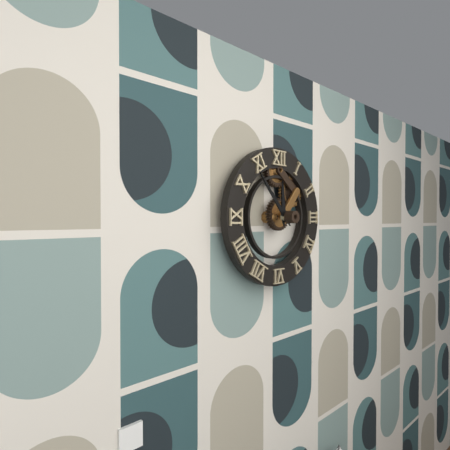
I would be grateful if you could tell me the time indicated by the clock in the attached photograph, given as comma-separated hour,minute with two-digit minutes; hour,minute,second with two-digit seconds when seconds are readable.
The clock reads 11,53
